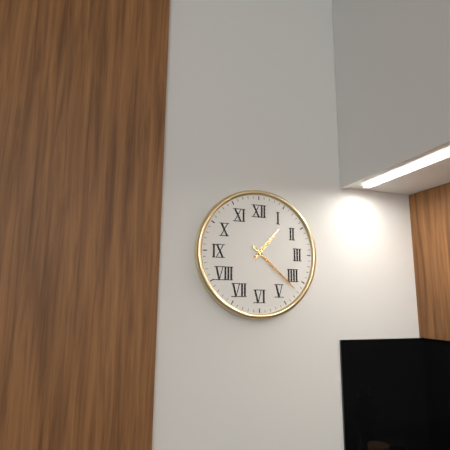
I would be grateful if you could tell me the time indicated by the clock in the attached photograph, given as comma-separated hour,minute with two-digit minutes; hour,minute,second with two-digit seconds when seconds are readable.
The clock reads 1,22
